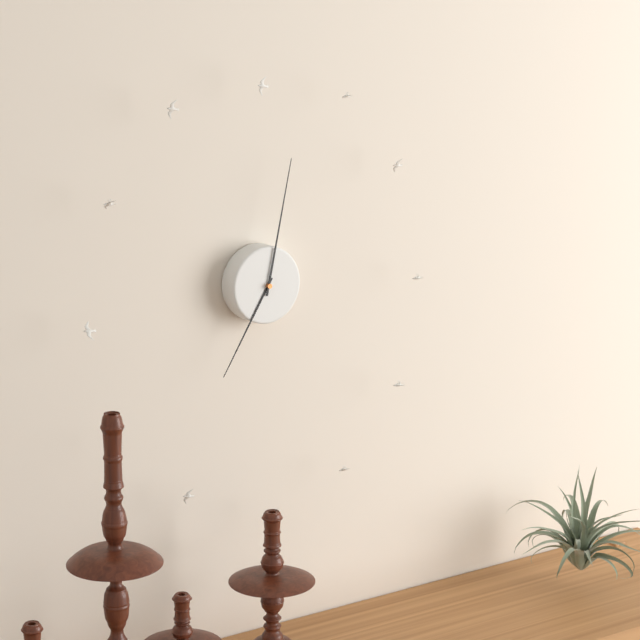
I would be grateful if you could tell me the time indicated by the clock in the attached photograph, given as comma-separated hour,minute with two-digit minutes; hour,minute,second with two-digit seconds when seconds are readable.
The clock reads 7,02
